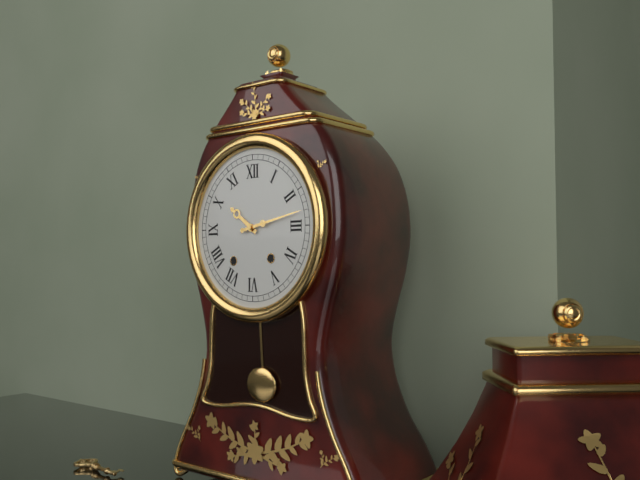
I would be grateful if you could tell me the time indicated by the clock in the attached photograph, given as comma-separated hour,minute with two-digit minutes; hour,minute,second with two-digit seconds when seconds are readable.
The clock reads 10,13
